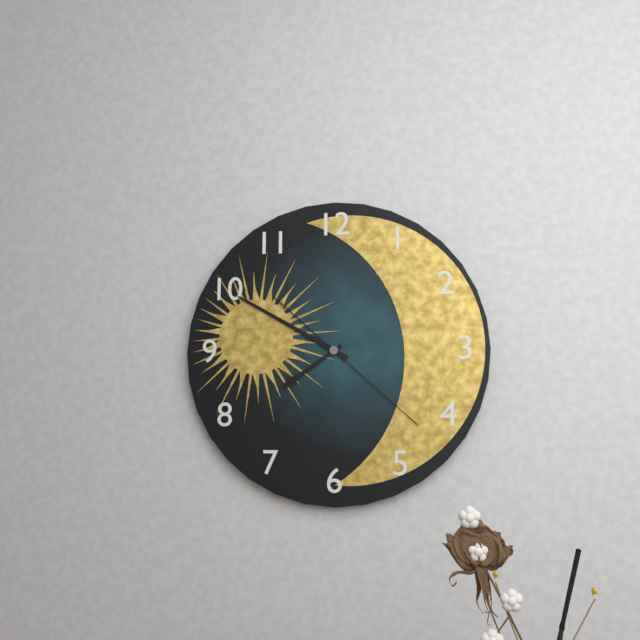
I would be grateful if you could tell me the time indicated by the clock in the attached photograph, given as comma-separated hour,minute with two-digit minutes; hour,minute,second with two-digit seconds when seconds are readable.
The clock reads 7,50,22
